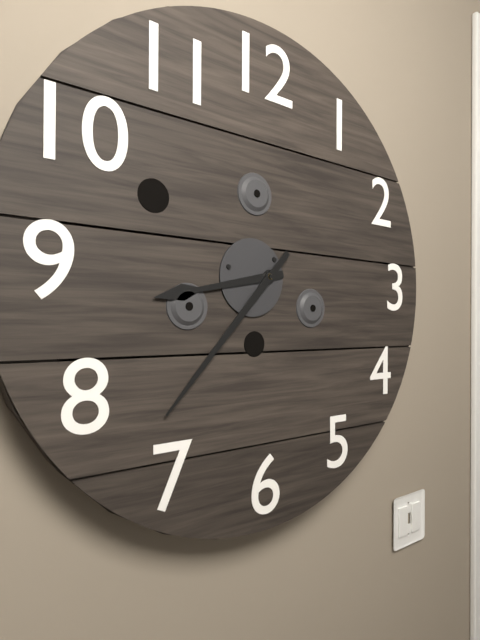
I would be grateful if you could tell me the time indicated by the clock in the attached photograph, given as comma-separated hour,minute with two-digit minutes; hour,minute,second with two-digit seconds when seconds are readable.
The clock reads 8,37
